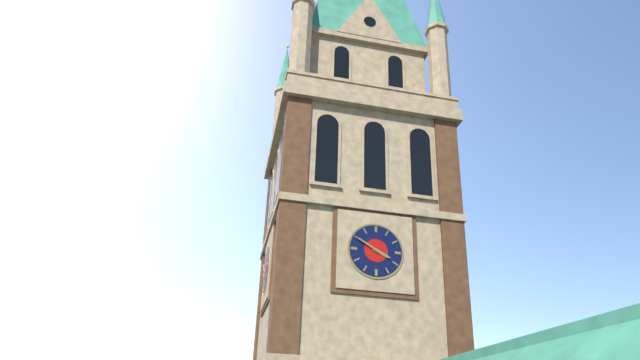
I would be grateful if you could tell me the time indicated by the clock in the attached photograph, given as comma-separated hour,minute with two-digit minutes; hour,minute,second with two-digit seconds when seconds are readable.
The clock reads 3,50
